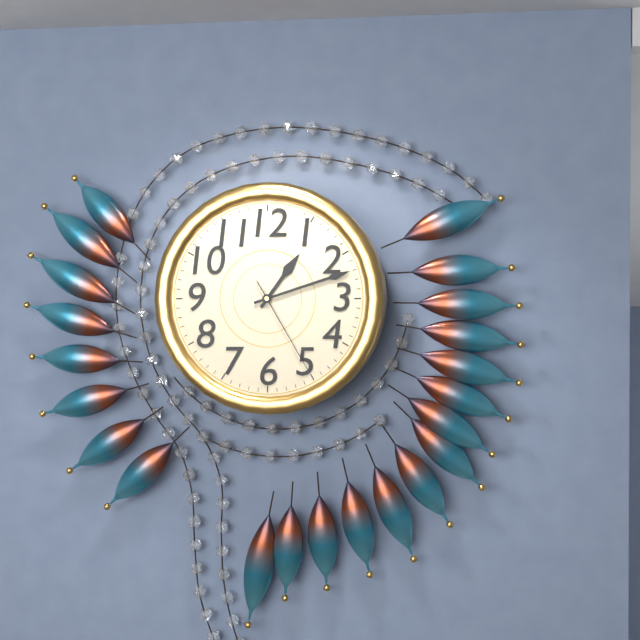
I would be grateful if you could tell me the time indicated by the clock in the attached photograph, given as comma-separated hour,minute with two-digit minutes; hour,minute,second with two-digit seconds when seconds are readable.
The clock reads 1,12,25
